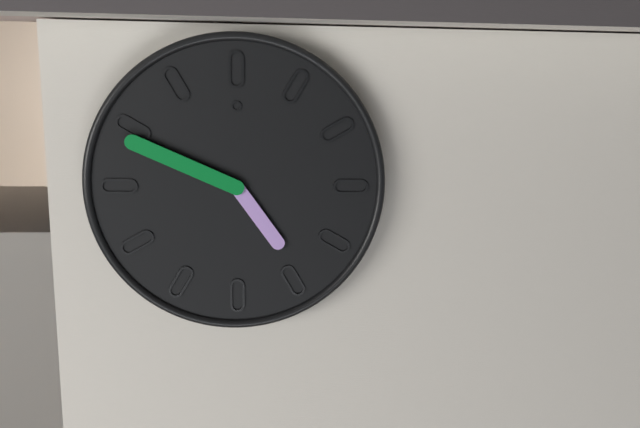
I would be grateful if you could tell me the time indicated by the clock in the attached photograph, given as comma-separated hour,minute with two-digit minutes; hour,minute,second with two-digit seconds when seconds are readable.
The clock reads 4,49
